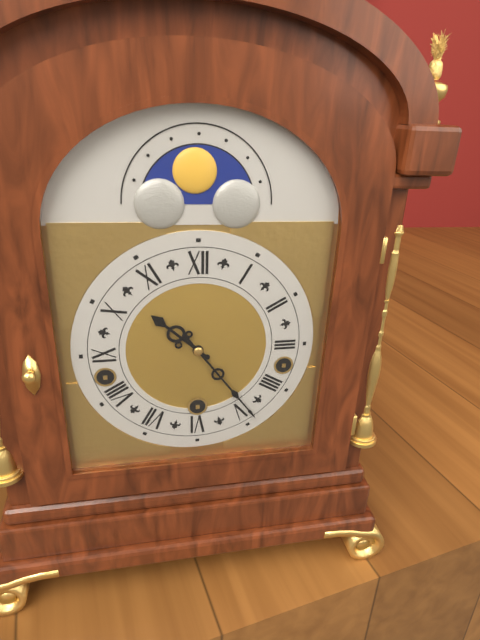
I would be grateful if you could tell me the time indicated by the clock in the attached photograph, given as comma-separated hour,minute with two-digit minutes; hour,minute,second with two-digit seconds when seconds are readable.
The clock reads 10,24
